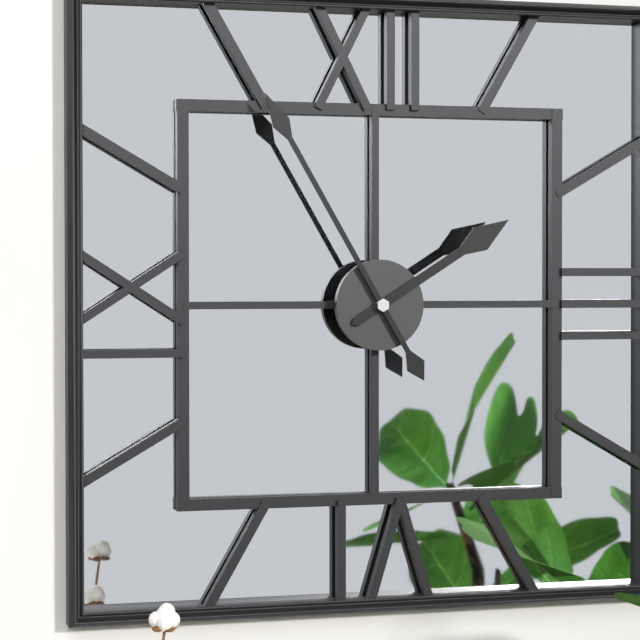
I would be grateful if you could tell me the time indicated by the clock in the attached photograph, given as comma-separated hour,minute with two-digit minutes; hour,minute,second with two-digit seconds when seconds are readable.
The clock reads 1,55
